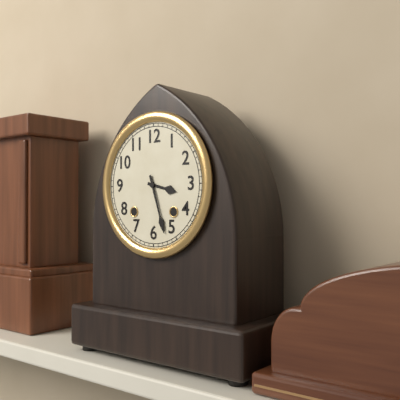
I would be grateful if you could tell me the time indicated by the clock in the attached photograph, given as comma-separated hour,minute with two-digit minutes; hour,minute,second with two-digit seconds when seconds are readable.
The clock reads 3,27
